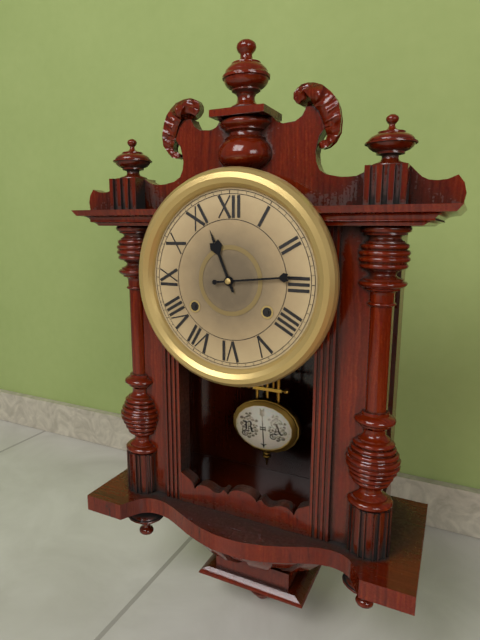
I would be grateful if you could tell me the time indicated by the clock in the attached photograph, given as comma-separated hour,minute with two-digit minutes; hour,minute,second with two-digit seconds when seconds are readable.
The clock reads 11,14
